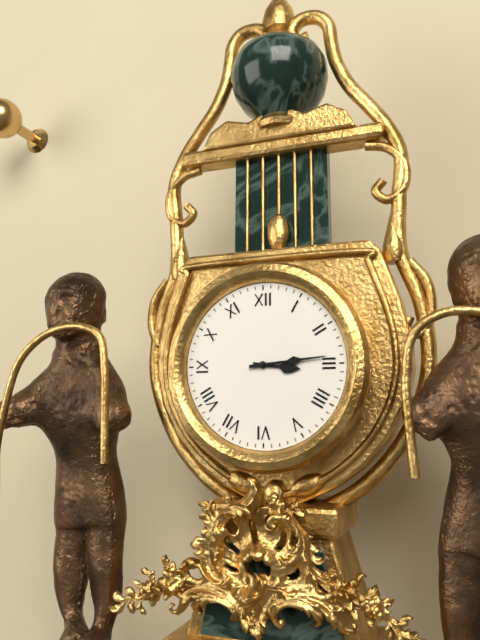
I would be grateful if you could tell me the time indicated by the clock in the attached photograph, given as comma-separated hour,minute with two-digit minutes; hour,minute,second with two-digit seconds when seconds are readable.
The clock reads 3,14
